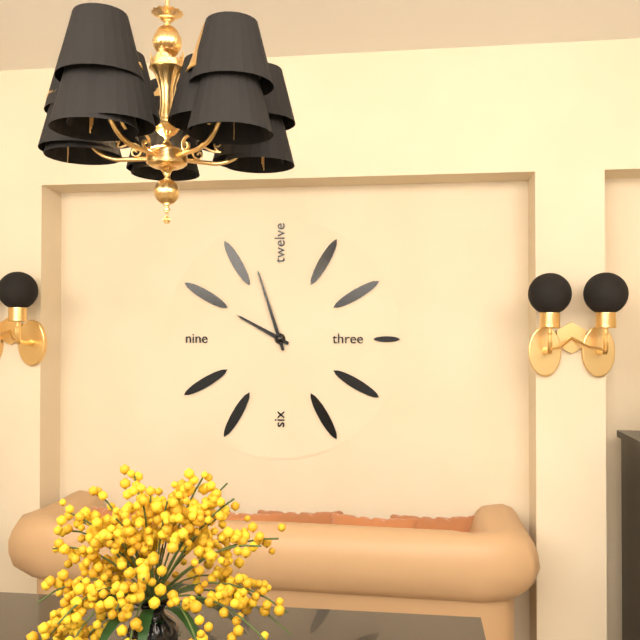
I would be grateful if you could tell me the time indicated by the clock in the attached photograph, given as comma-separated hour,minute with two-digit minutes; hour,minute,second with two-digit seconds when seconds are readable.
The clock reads 9,57
